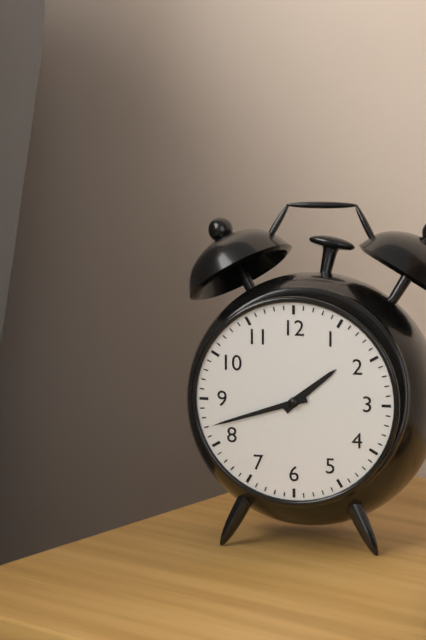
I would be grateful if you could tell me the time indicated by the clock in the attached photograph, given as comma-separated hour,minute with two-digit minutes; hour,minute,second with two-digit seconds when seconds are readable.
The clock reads 1,42
